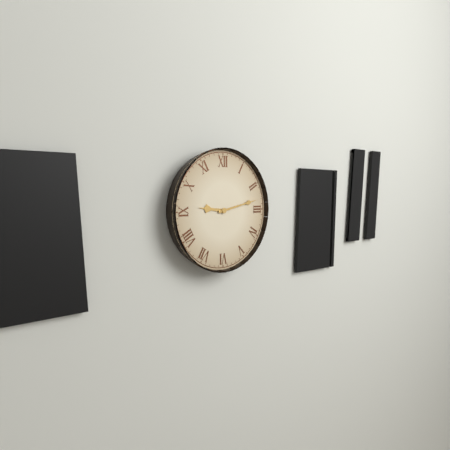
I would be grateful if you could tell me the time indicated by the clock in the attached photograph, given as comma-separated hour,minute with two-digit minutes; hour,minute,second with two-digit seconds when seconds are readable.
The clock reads 9,13
